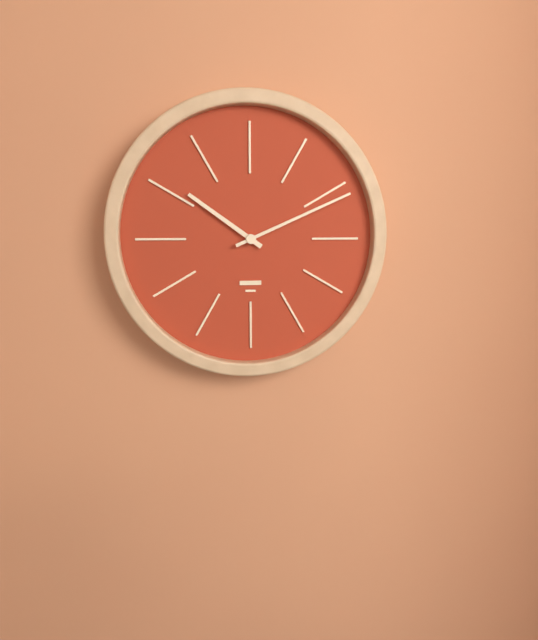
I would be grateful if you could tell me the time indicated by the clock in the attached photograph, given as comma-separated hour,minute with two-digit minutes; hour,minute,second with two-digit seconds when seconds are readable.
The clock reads 10,11
